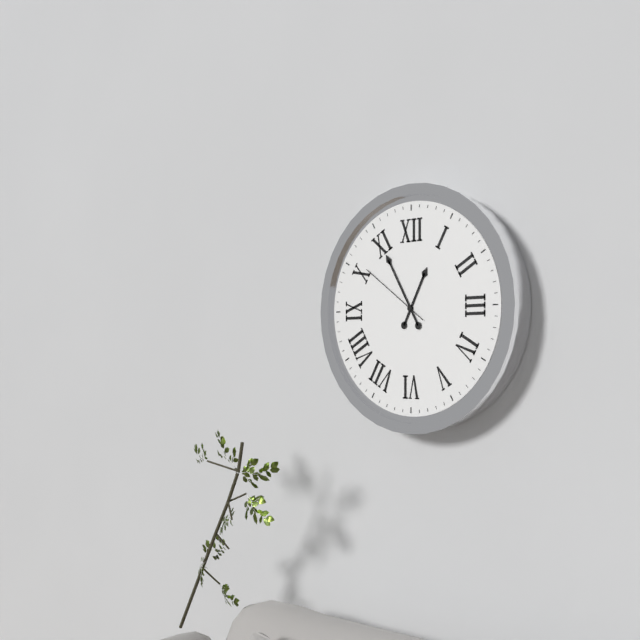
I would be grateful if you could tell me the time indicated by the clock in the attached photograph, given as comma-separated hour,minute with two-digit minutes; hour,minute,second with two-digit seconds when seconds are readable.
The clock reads 12,55,51
